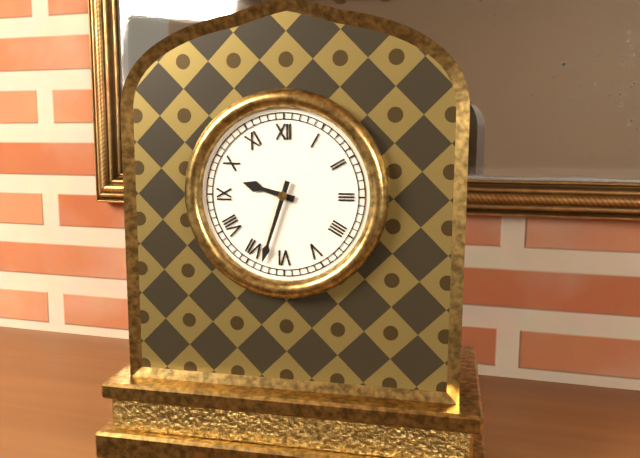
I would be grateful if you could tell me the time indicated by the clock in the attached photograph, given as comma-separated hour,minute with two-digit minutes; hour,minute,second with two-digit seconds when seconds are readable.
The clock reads 9,33
